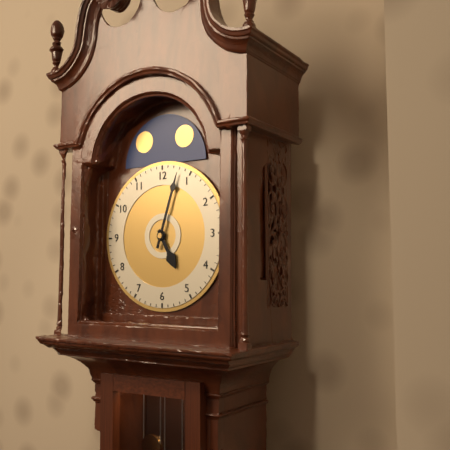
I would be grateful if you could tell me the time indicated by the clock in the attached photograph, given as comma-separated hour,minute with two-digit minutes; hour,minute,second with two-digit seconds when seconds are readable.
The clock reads 5,03
